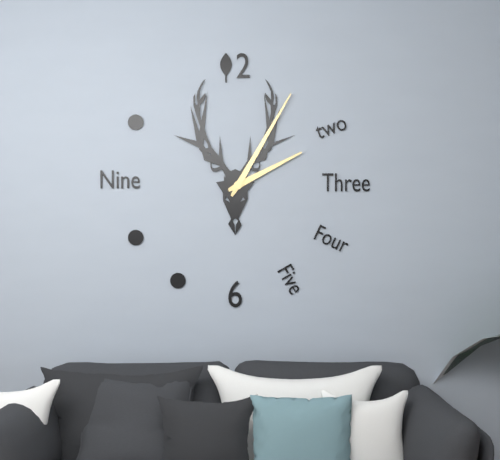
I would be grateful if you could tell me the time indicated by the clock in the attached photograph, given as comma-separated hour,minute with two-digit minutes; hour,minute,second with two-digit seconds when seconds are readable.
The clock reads 2,05
